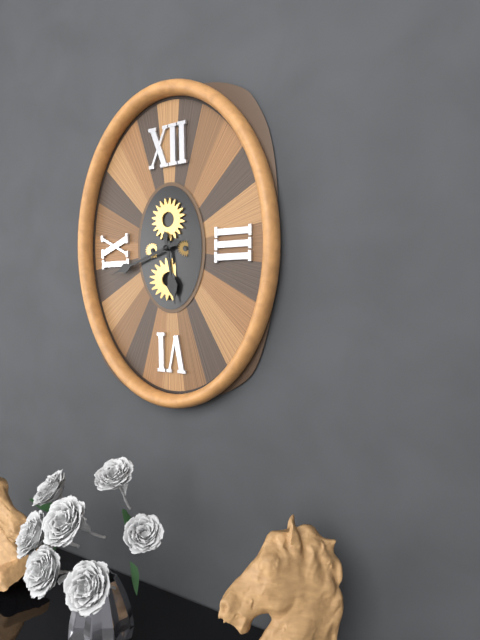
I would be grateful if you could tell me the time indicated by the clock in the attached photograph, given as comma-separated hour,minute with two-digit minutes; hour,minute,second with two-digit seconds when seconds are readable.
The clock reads 5,42
